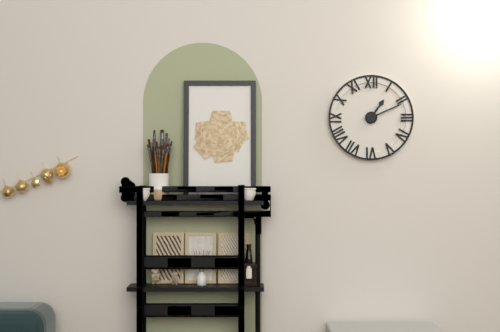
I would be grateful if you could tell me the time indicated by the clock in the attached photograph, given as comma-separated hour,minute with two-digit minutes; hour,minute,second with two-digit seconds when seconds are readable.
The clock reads 1,11
